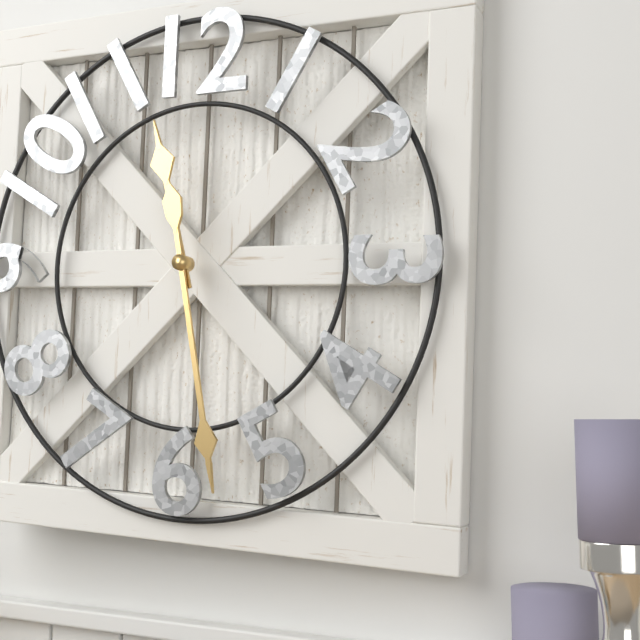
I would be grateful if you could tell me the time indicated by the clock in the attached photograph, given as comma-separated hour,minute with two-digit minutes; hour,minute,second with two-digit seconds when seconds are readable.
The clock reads 11,28
